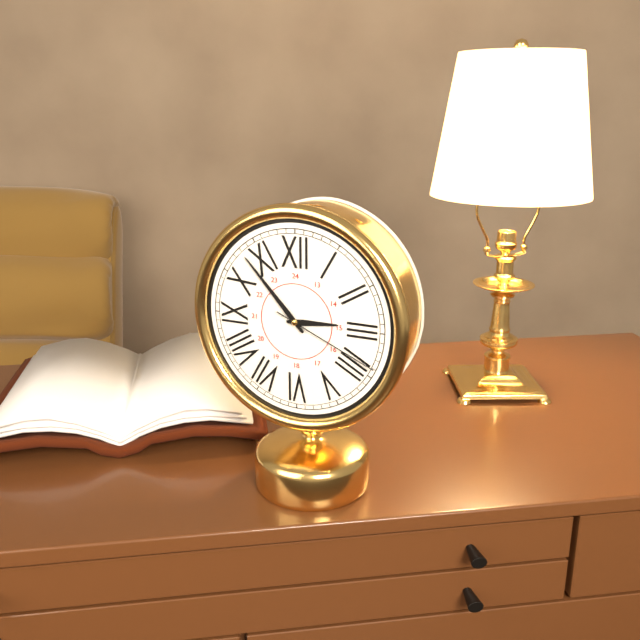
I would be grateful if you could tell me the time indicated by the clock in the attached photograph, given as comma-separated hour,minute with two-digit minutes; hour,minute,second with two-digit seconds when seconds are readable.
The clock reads 2,53,19
